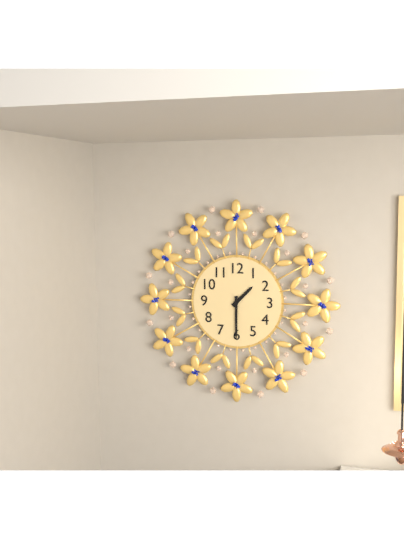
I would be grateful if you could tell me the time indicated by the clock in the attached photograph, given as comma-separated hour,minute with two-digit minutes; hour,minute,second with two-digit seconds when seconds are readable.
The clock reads 1,30
